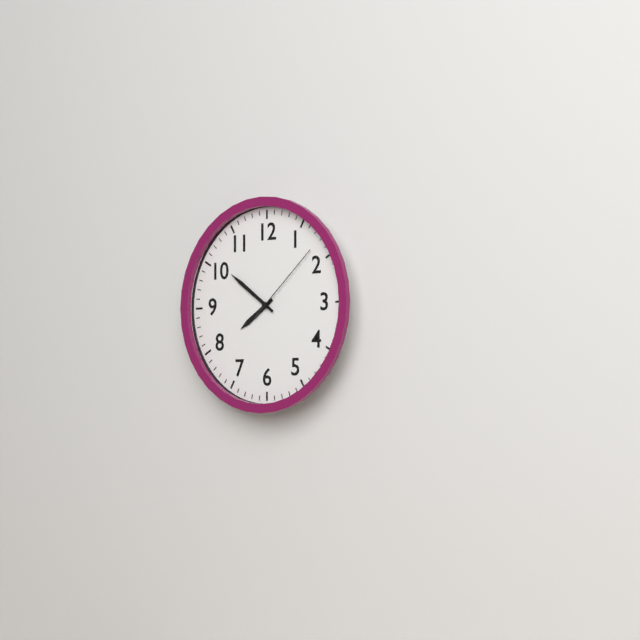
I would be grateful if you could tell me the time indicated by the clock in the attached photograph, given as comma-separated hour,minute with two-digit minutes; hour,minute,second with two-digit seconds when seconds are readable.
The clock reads 7,51,08
